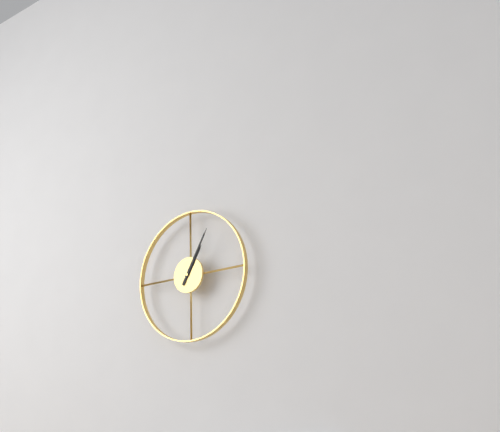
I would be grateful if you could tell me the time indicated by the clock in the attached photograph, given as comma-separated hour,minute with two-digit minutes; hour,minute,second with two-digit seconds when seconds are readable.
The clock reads 1,05
